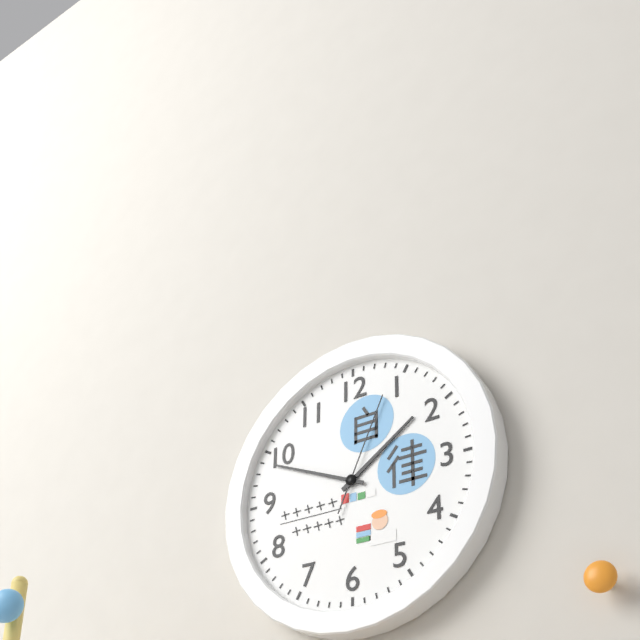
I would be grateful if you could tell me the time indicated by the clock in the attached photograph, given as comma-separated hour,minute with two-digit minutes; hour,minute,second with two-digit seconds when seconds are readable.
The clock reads 1,49,04
